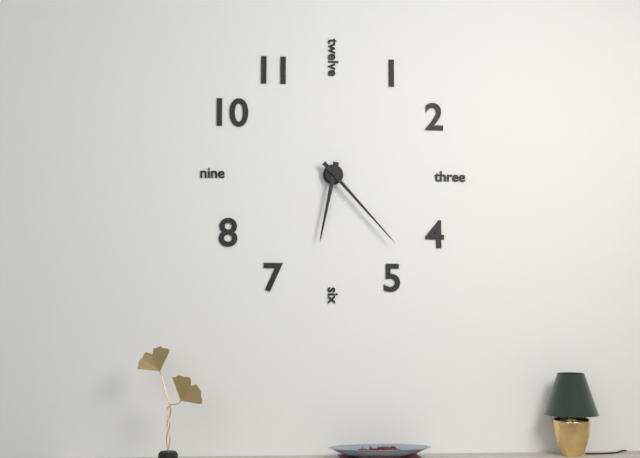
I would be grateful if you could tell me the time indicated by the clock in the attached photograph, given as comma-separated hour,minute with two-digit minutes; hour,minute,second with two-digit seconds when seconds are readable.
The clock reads 6,23
